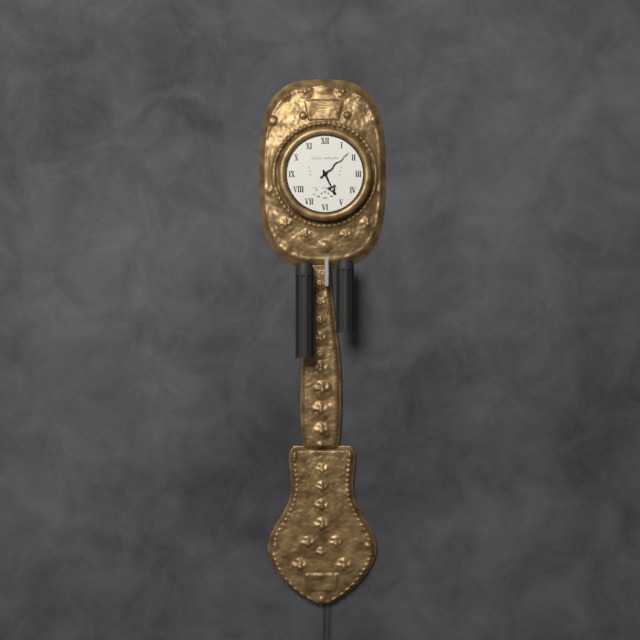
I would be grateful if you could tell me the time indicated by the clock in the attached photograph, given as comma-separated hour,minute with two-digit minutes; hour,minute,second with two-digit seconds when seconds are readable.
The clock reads 5,08
